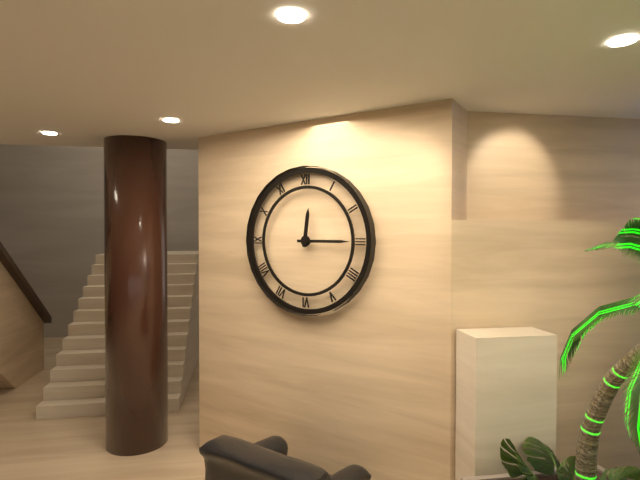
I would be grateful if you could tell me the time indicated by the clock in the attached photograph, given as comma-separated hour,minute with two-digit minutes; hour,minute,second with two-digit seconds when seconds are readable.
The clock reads 12,15
